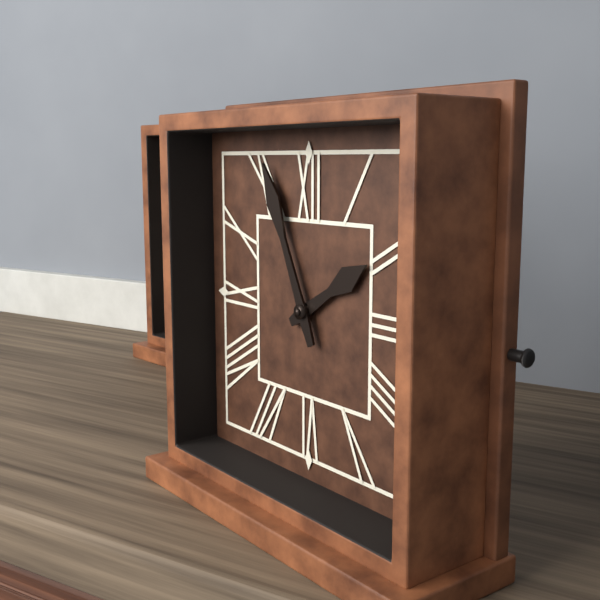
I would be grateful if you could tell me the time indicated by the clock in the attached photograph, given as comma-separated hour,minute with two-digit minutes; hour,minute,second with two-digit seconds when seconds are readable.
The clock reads 1,56
